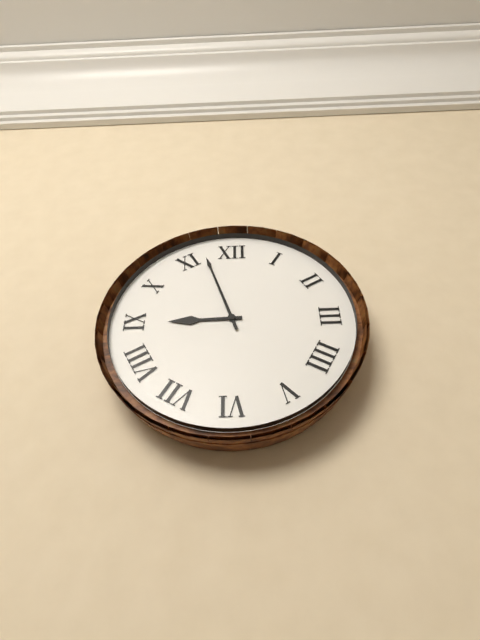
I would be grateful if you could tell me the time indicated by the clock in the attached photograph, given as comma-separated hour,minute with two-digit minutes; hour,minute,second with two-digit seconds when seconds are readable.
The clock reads 8,57
